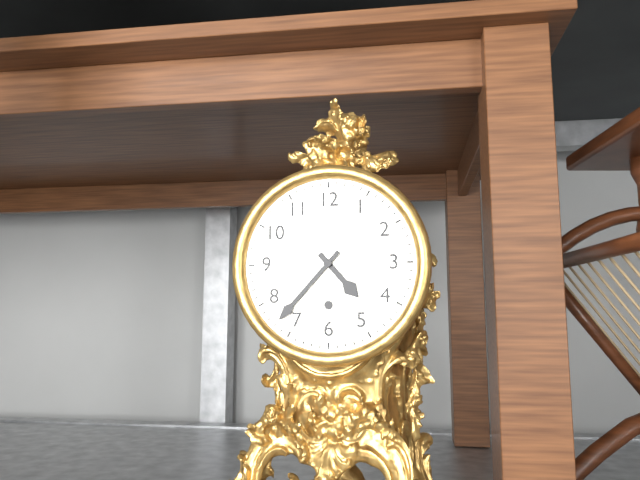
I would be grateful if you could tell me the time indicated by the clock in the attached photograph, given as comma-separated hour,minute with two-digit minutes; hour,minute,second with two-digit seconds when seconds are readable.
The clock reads 4,37
